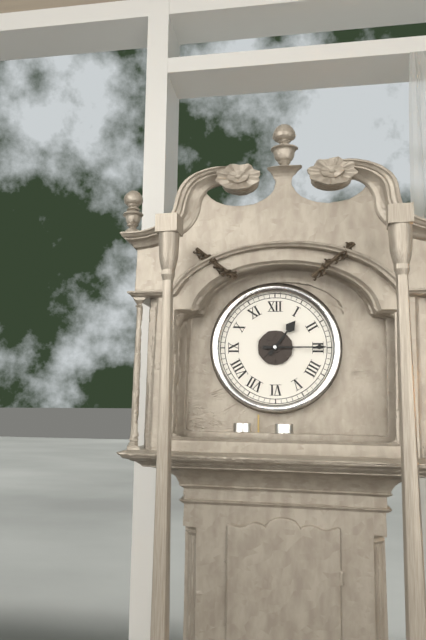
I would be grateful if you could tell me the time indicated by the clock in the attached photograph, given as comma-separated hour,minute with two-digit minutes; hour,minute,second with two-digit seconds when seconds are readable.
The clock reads 1,15
